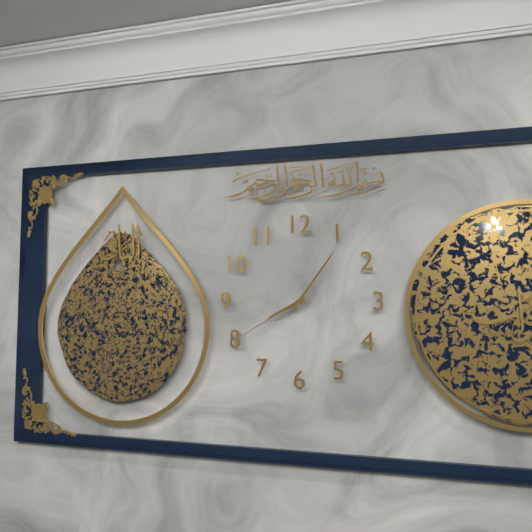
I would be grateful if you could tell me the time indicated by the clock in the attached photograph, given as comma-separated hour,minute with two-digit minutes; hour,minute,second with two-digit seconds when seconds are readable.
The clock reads 8,06,40
